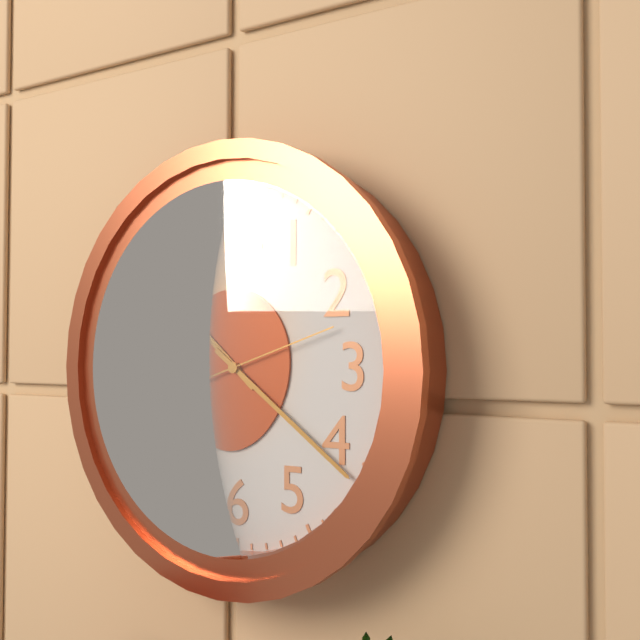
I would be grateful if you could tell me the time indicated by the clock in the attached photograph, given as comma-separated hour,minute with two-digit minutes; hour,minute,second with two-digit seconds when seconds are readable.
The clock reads 10,21,12
